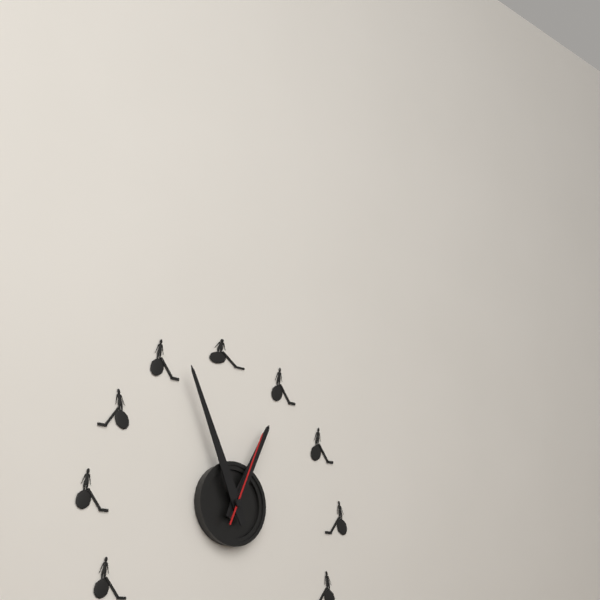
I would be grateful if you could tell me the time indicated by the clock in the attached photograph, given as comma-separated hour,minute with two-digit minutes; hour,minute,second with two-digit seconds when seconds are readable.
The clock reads 12,56,04
